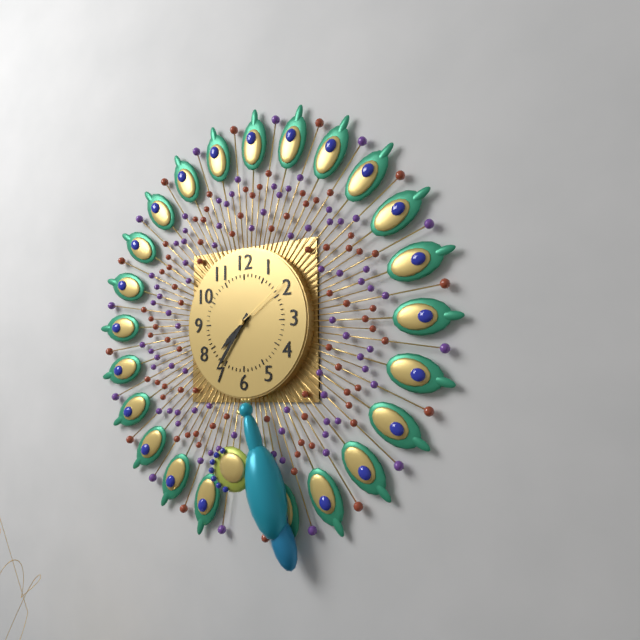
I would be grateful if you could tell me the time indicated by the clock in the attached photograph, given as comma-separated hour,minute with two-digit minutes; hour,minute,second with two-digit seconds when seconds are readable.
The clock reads 7,36,09
